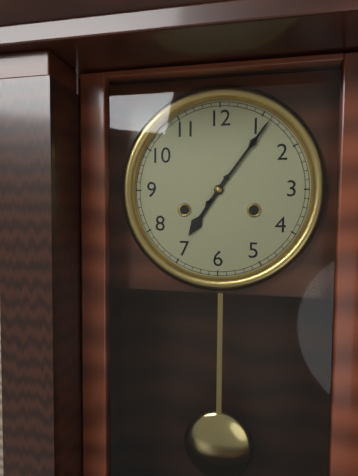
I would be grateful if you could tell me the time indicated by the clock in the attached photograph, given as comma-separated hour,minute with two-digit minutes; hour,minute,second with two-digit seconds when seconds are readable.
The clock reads 7,06
